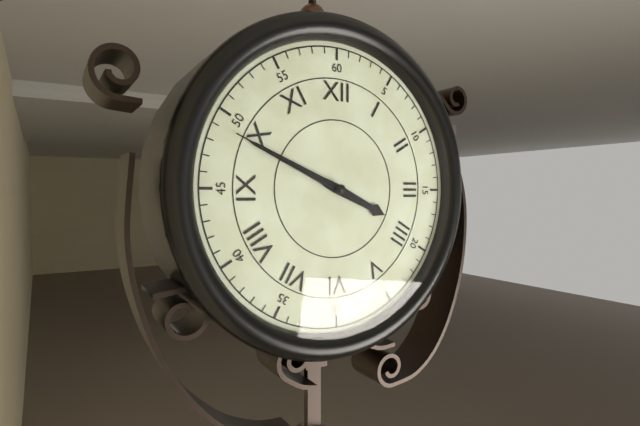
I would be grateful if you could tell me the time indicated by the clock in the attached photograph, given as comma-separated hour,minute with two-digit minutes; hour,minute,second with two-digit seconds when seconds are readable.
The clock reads 3,49,49
